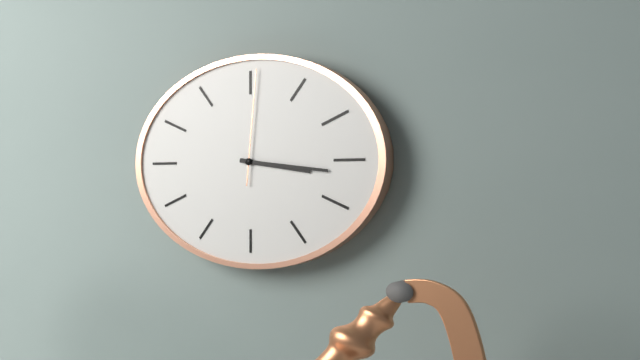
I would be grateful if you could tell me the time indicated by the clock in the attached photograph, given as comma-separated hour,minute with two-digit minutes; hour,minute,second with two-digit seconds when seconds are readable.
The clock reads 3,16,01
